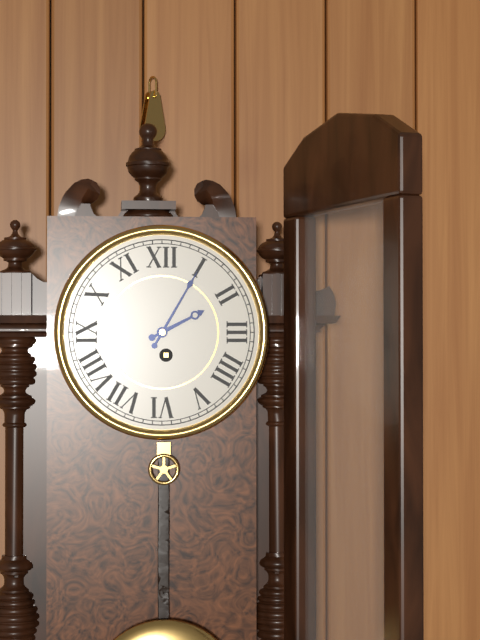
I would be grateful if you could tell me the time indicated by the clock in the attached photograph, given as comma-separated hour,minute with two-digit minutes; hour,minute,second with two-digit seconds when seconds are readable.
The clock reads 2,05
